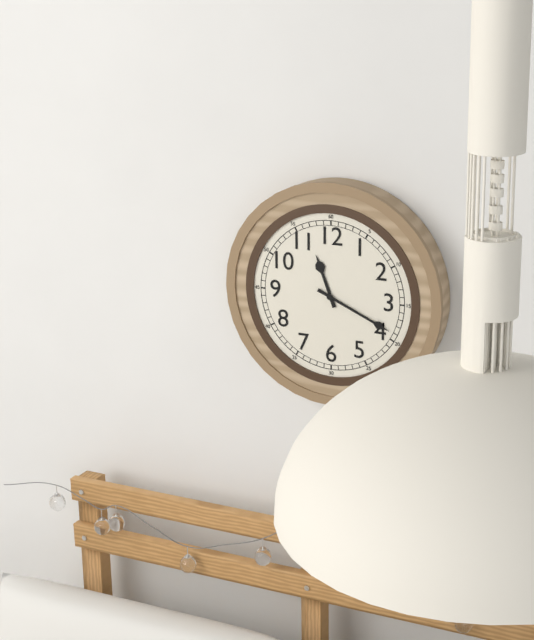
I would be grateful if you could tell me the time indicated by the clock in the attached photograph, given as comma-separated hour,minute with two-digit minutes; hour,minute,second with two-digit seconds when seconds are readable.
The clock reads 11,19
